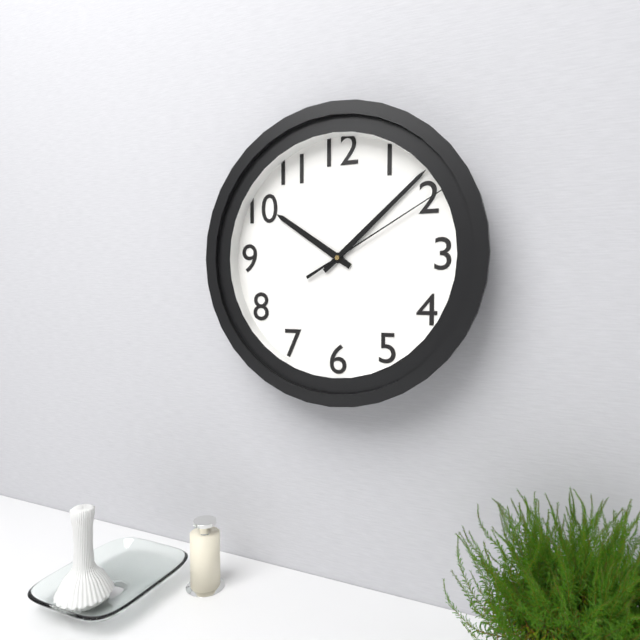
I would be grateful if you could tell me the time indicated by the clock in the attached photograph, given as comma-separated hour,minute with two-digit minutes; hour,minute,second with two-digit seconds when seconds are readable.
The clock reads 10,08,10
